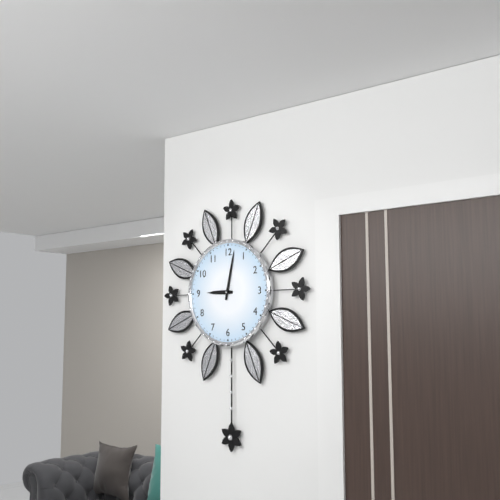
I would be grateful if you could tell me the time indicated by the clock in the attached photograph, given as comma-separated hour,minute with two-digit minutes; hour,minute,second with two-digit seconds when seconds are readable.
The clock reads 9,02
